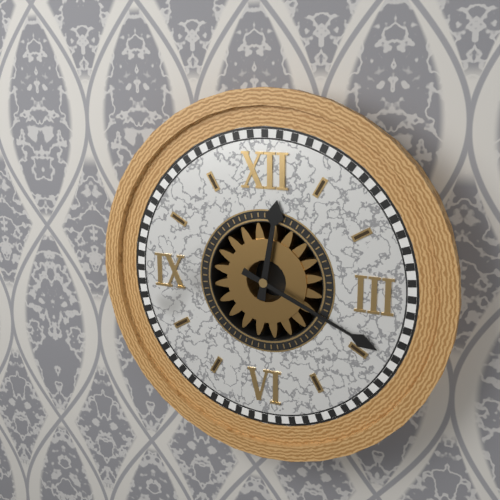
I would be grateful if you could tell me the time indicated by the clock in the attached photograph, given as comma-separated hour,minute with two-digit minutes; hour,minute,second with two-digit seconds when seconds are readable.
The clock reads 12,19
